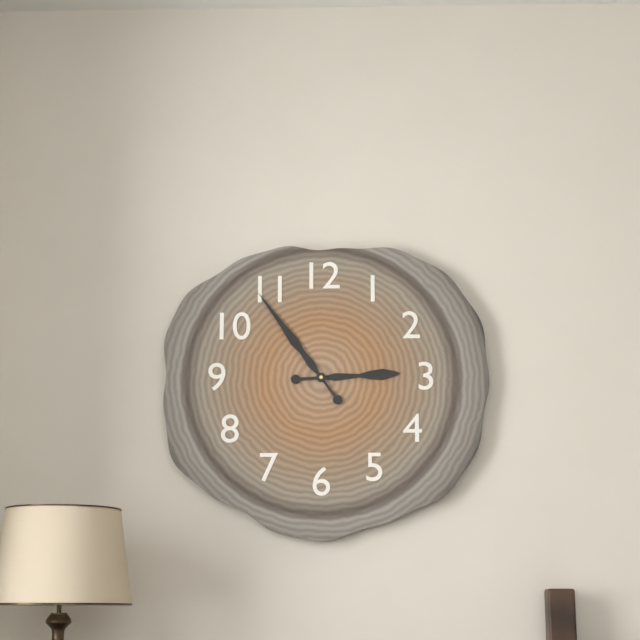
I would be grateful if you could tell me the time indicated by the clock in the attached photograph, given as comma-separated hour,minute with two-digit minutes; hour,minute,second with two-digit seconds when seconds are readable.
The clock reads 2,54
